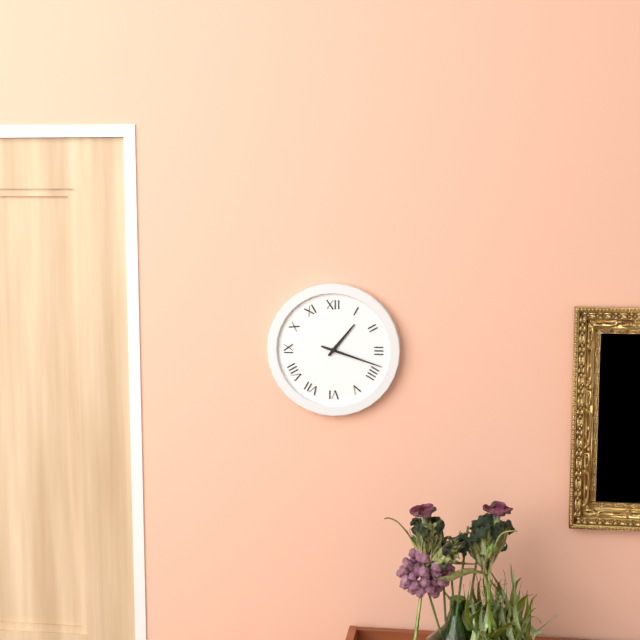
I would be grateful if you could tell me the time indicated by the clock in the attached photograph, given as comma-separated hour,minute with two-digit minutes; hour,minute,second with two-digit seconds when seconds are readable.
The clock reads 1,18
